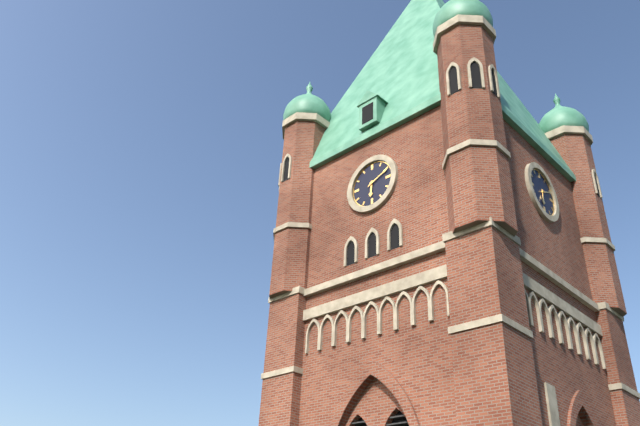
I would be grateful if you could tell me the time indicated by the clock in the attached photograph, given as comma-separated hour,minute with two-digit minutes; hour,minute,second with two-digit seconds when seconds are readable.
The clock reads 6,11
